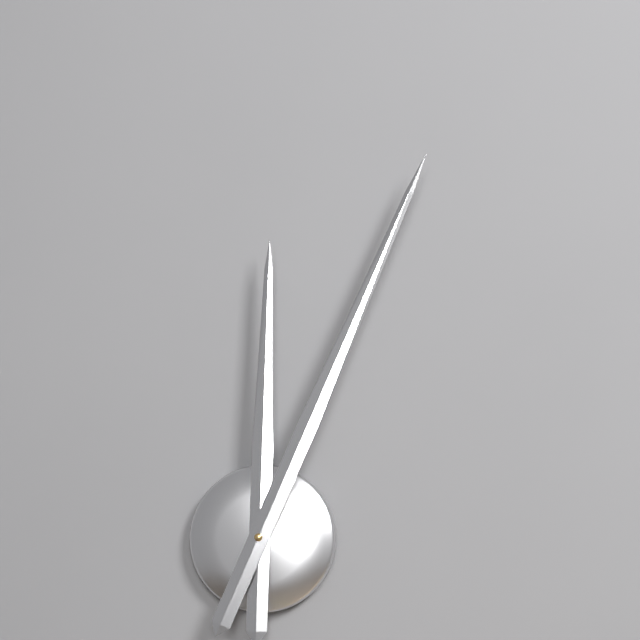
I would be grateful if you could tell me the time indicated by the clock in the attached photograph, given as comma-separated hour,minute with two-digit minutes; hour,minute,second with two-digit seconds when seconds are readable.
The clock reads 12,04
